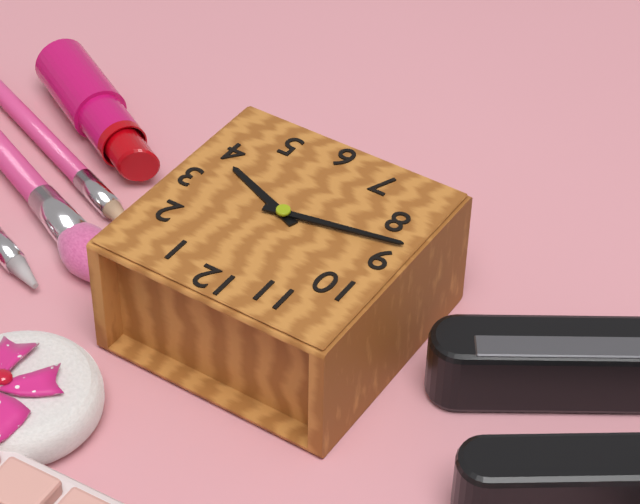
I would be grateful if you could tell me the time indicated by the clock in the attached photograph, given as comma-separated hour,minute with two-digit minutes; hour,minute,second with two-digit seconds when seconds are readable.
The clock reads 3,43
